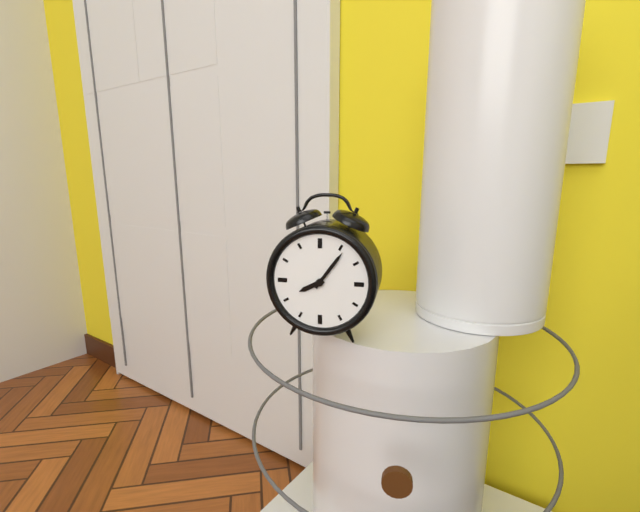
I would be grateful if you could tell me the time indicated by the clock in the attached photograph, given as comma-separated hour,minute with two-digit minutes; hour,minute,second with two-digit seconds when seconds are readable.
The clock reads 8,06
